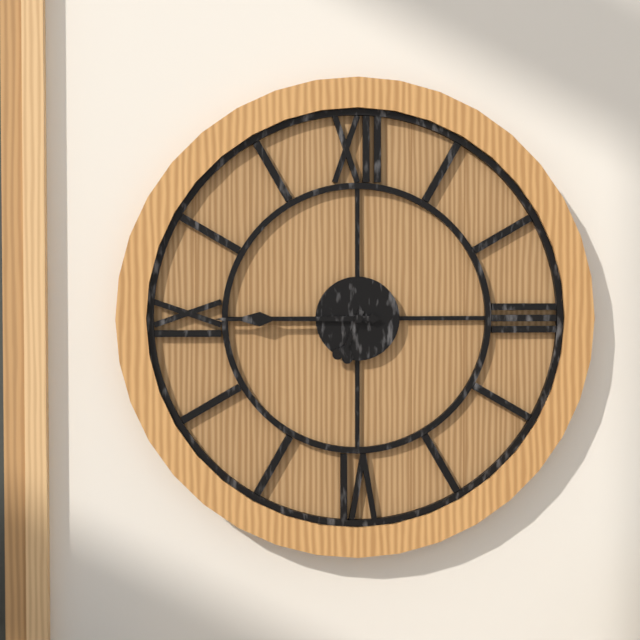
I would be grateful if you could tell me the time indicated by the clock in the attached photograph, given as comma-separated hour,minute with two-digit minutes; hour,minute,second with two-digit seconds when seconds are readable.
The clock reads 6,45
